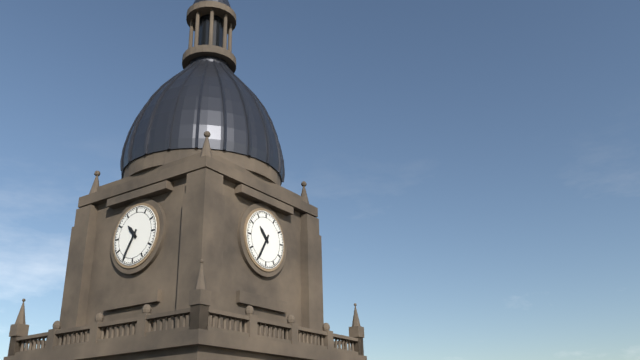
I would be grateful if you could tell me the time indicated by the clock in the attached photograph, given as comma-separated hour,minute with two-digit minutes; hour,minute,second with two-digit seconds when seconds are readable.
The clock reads 10,35
